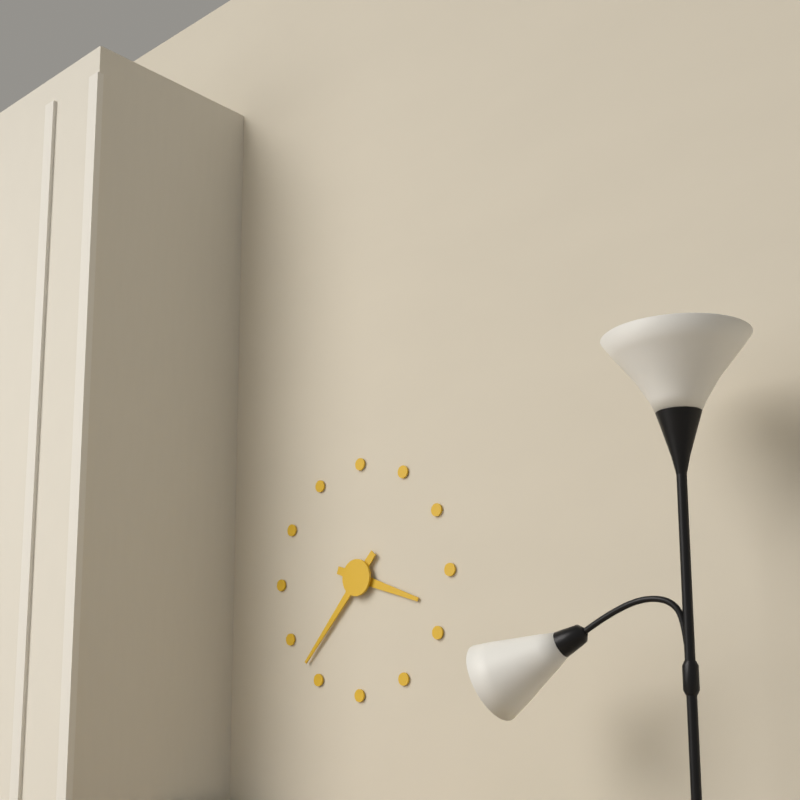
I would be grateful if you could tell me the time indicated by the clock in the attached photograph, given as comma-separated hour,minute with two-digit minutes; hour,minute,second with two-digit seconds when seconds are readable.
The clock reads 3,37
